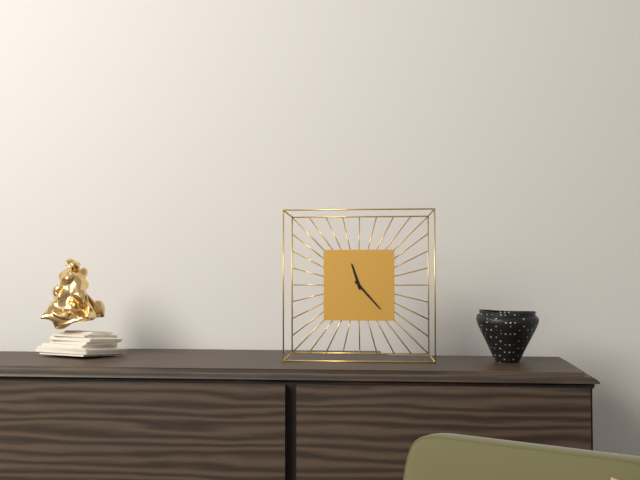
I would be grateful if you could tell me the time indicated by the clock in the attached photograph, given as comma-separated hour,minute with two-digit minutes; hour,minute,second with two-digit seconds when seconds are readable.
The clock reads 11,23
